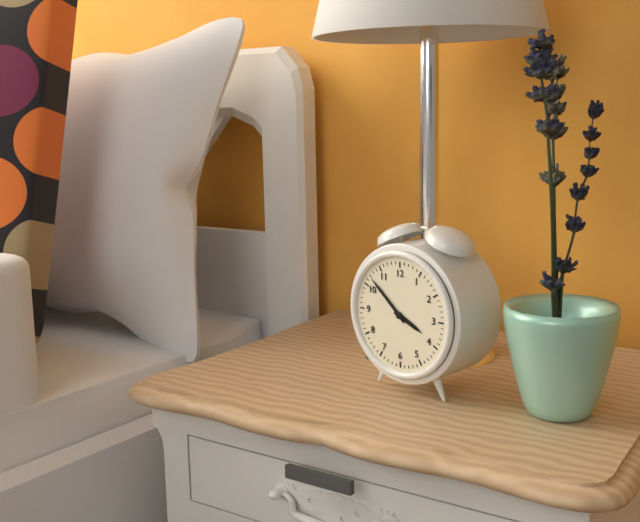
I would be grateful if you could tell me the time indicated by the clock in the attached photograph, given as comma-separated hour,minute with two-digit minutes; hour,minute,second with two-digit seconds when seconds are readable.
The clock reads 3,52
